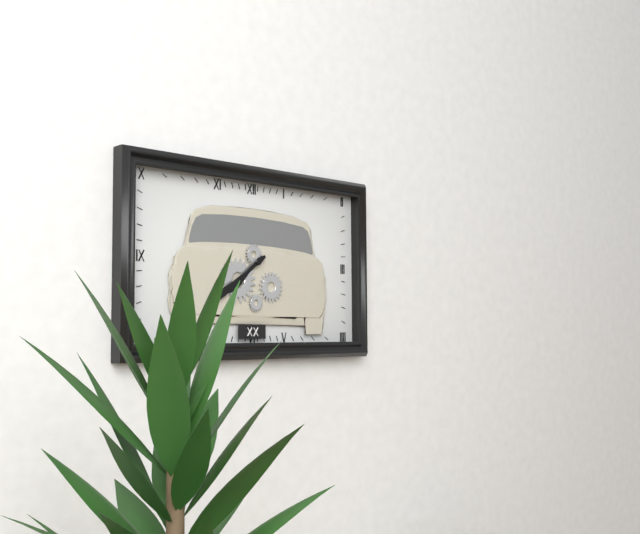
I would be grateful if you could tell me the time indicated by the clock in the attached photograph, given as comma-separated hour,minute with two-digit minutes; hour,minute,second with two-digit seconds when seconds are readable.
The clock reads 7,39
